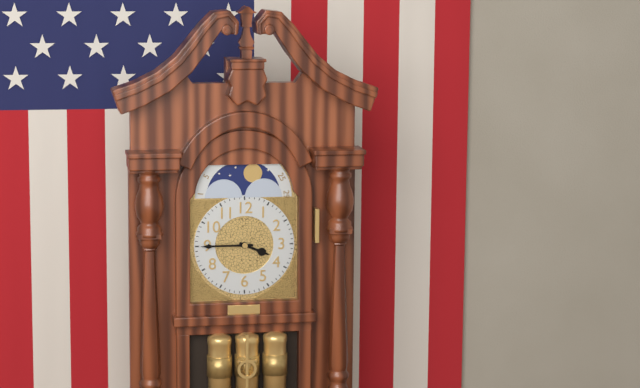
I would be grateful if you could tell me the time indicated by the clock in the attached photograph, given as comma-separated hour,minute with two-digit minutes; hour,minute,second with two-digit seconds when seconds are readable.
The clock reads 3,45
